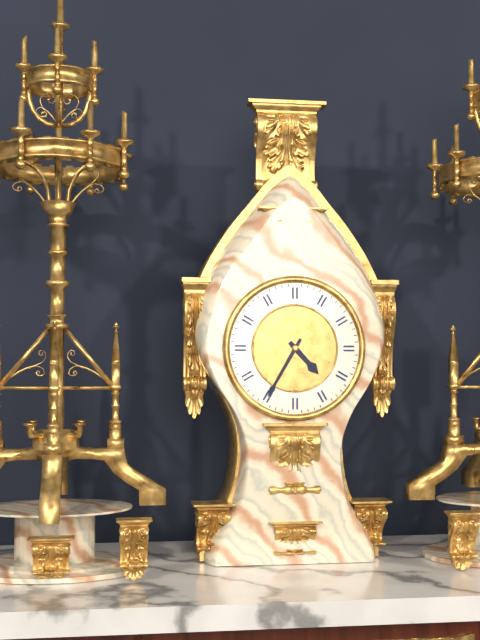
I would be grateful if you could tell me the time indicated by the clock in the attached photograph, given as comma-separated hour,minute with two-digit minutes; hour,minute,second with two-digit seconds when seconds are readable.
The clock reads 4,35
